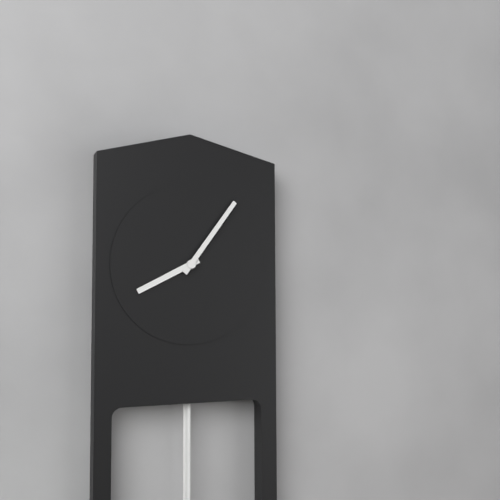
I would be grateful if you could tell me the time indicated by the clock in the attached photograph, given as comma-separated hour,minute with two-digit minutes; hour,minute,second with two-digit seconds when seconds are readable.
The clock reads 8,06
